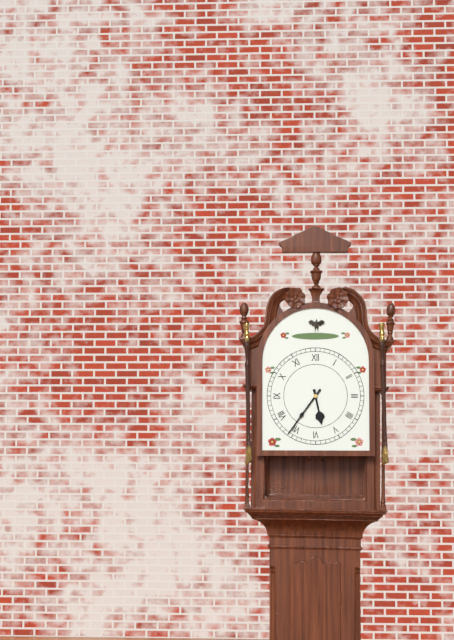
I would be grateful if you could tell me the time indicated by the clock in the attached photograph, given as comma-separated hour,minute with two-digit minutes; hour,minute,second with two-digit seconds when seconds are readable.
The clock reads 5,36
